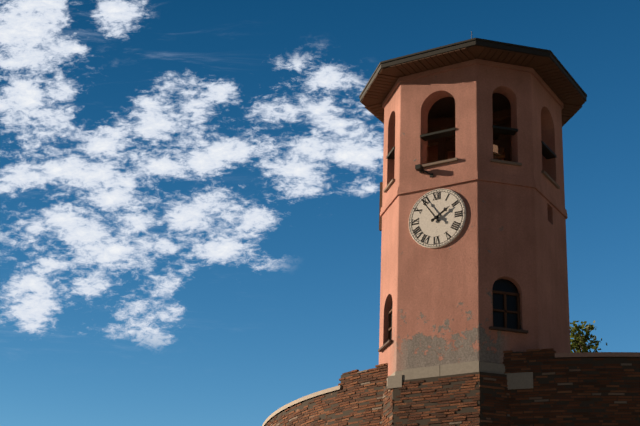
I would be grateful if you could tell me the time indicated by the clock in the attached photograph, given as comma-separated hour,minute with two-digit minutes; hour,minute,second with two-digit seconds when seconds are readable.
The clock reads 1,54
